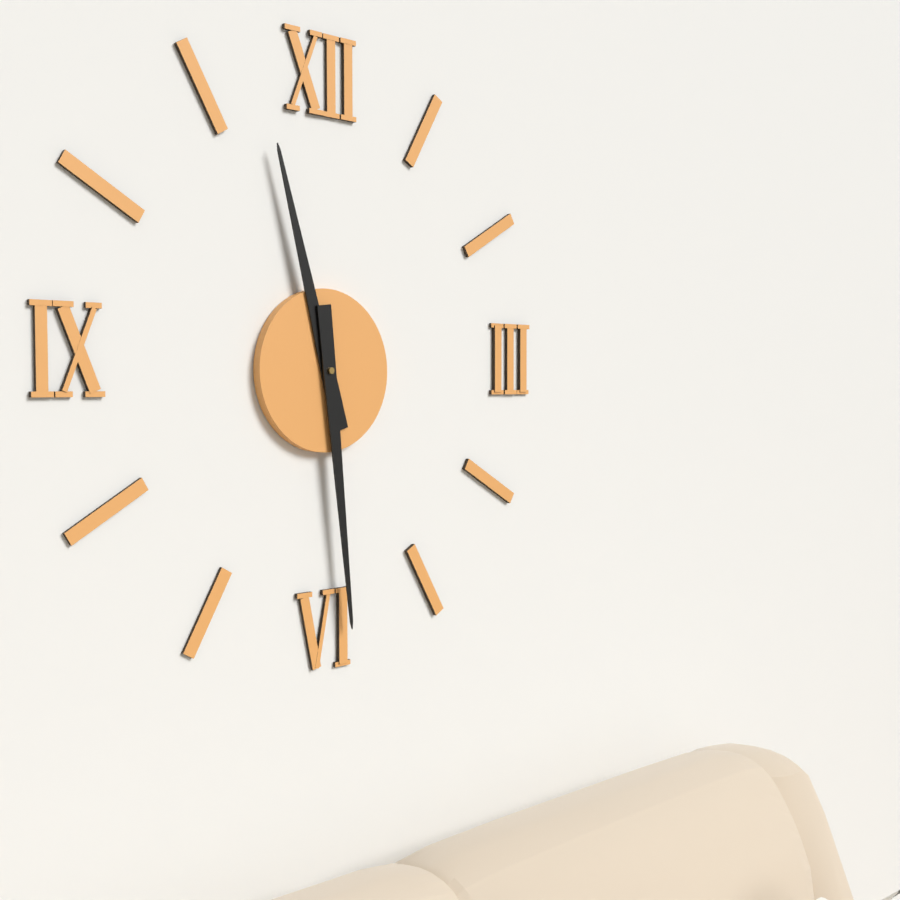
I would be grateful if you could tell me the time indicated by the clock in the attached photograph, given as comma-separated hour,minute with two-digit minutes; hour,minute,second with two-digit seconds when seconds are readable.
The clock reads 11,29
